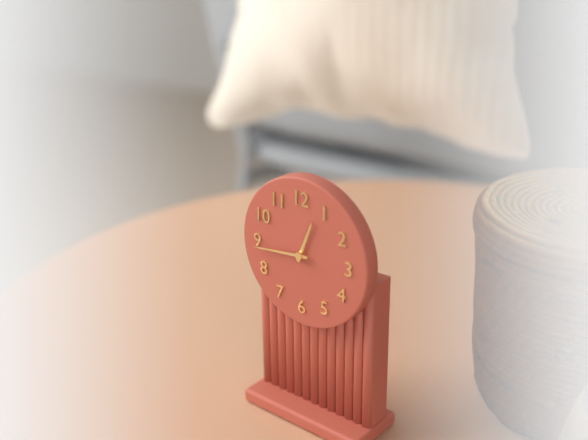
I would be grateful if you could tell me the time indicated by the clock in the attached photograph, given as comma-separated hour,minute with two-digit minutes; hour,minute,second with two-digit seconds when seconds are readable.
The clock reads 12,44
